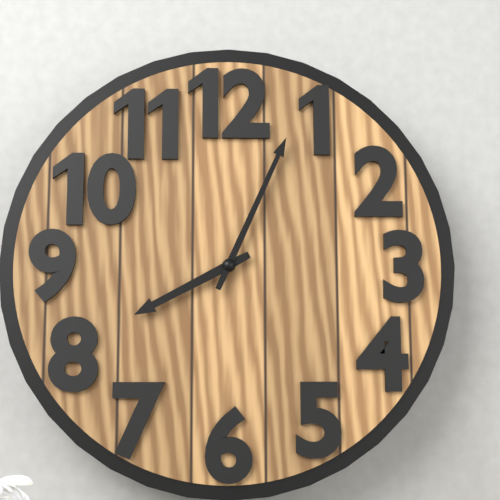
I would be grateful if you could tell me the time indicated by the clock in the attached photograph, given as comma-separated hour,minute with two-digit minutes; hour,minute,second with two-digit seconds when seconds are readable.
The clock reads 8,04
